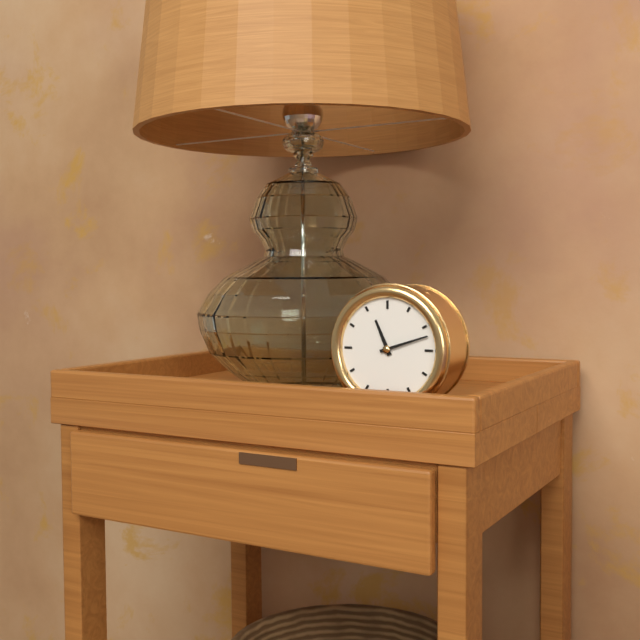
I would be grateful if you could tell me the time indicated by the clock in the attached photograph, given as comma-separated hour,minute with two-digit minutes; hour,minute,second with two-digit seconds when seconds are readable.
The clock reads 11,12
